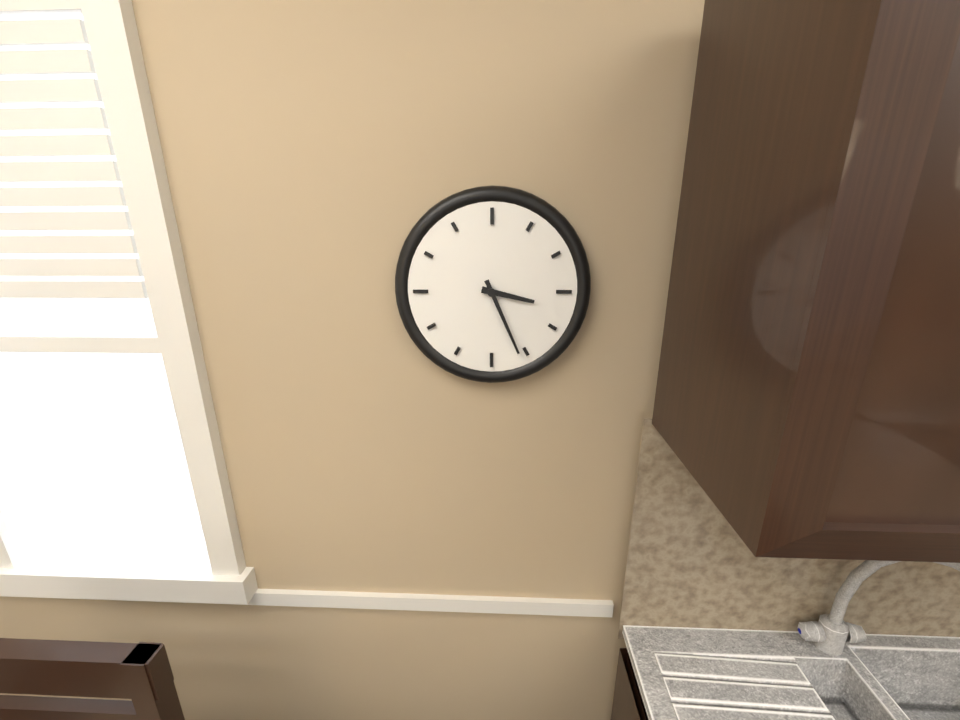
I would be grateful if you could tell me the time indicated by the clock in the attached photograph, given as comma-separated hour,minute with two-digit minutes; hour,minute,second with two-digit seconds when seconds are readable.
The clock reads 3,26
